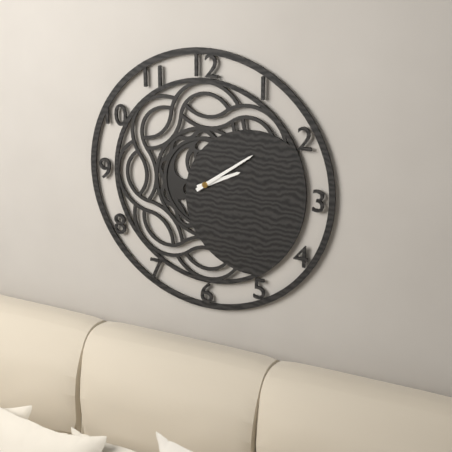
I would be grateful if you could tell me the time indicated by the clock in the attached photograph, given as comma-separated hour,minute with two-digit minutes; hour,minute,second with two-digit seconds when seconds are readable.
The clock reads 2,09
